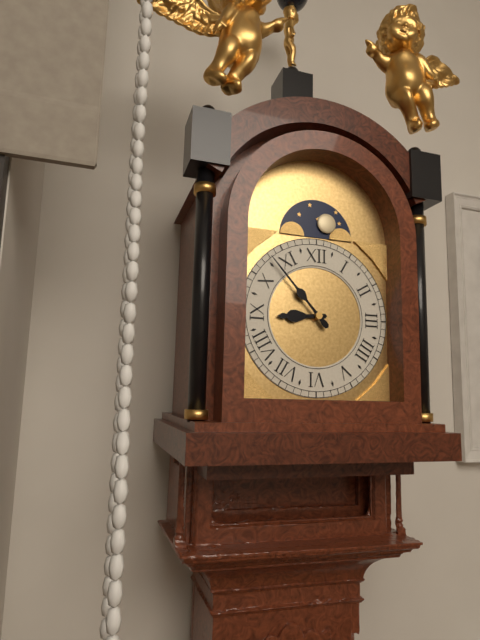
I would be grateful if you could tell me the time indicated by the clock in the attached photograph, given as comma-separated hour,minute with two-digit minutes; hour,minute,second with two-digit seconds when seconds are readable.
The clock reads 8,53
